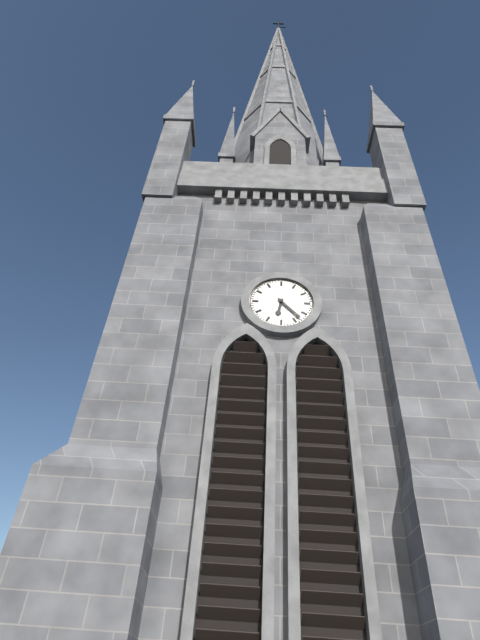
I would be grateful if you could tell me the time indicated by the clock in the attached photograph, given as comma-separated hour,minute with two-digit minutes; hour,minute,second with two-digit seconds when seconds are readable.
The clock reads 6,23
